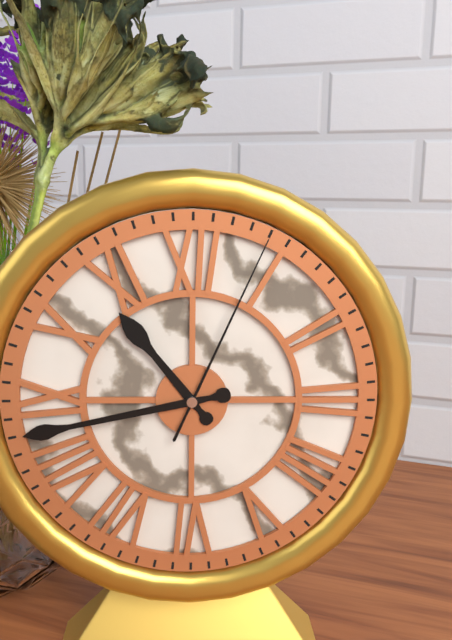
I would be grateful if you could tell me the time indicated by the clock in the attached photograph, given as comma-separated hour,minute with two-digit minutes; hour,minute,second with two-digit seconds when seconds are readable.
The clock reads 10,43,04
